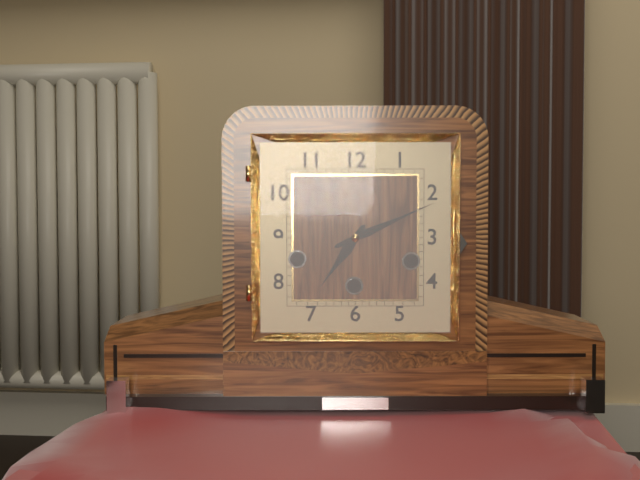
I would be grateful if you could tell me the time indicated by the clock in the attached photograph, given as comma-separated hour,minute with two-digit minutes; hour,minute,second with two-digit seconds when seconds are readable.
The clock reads 7,11
